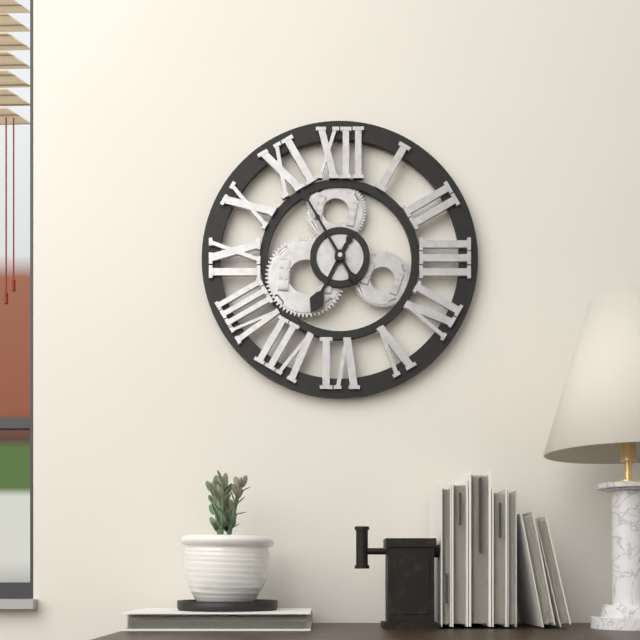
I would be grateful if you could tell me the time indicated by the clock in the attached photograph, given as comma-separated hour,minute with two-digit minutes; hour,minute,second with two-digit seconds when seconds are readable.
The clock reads 6,55
